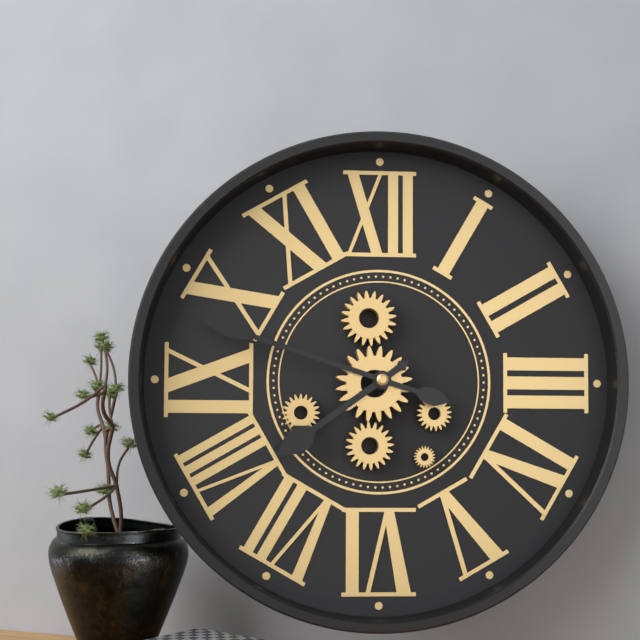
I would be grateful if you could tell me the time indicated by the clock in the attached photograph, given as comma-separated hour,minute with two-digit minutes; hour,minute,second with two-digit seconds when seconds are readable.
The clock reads 7,48
